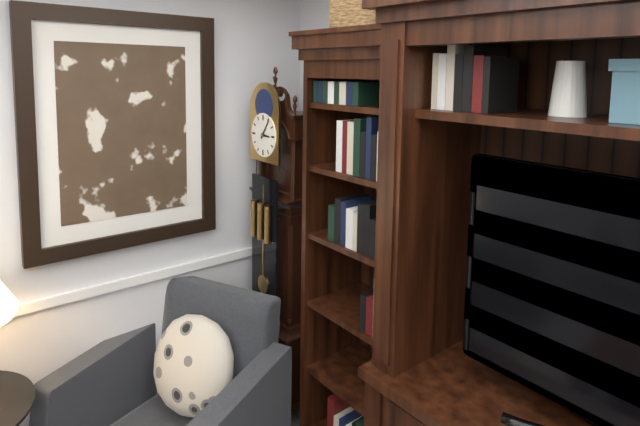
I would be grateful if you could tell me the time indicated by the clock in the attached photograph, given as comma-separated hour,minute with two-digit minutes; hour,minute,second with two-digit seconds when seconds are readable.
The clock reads 3,06
